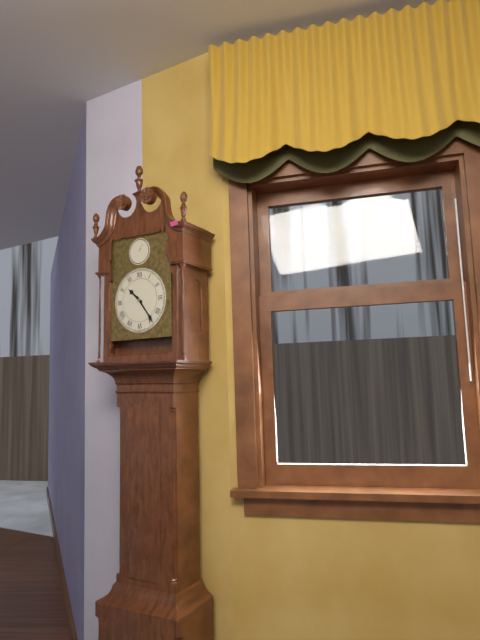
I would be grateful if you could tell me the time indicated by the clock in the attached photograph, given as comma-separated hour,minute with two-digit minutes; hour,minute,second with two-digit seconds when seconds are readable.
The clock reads 10,24
